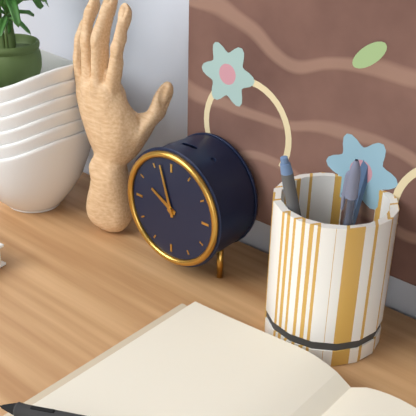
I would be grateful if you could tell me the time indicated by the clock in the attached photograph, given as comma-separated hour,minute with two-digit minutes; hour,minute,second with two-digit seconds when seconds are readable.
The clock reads 9,57
